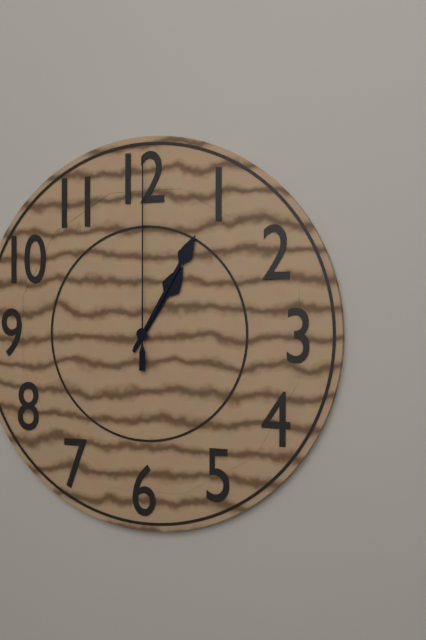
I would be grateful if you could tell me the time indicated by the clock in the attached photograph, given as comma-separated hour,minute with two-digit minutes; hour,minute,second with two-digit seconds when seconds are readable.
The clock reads 1,05,00
